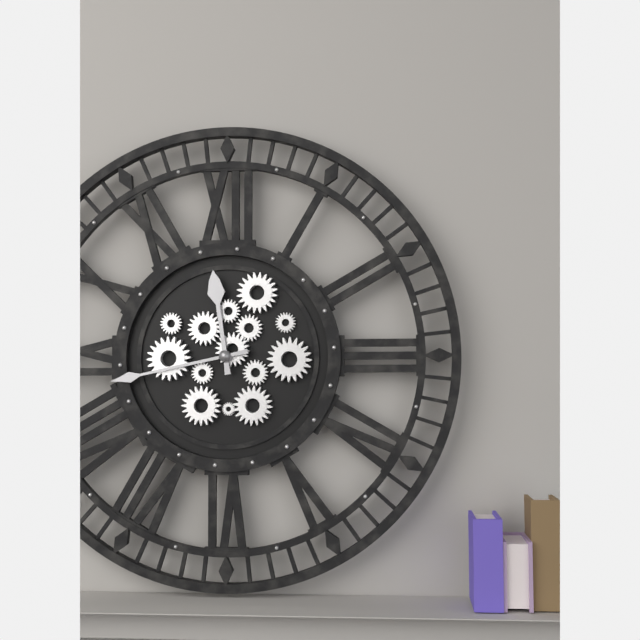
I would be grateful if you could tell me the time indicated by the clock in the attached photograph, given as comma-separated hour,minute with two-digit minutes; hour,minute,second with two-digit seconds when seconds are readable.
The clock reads 11,43
